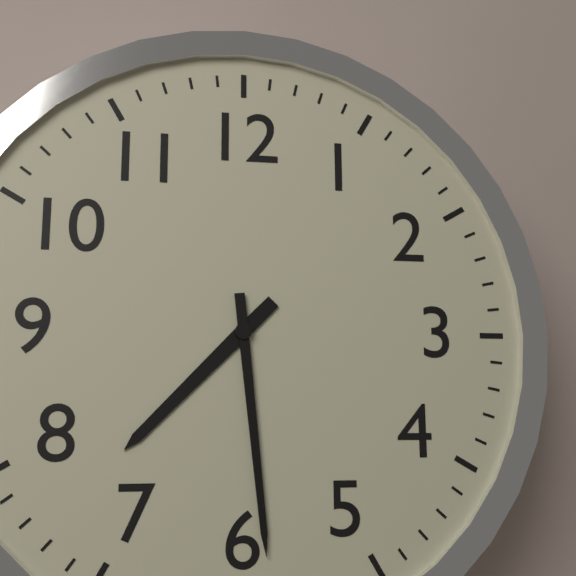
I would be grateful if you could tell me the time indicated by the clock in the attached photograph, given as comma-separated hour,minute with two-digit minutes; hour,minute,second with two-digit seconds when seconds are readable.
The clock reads 7,29
